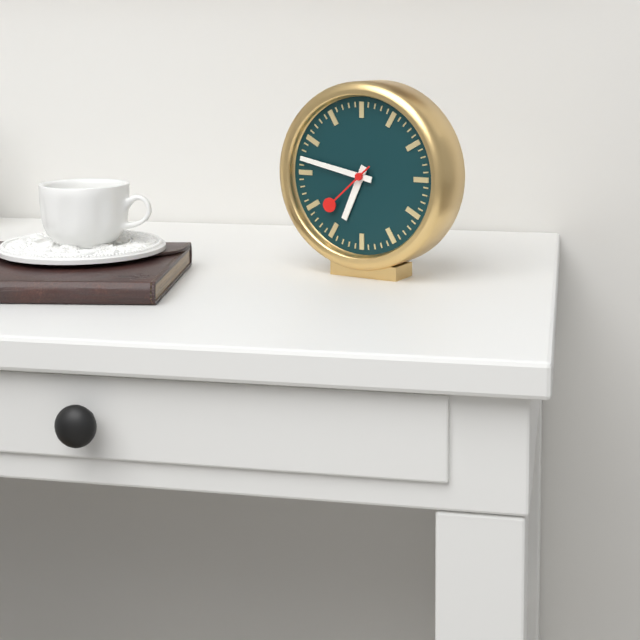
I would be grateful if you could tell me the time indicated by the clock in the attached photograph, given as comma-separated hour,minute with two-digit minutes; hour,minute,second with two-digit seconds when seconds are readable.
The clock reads 6,47,38
